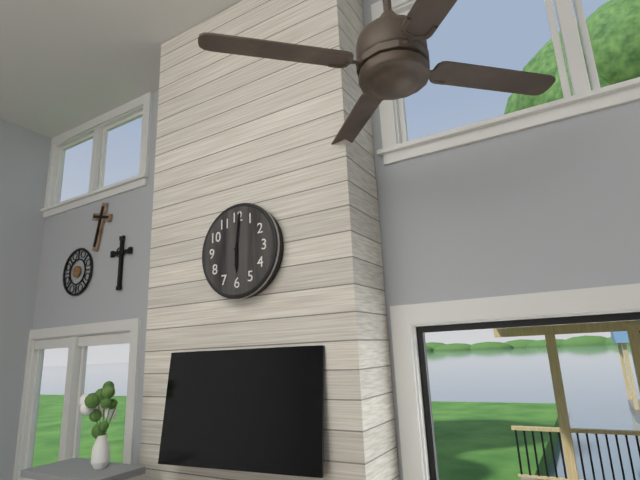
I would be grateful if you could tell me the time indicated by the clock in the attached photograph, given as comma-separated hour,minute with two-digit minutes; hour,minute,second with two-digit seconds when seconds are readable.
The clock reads 6,01
